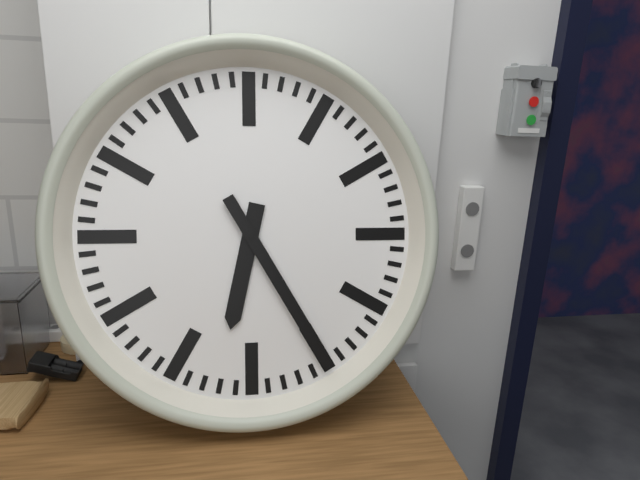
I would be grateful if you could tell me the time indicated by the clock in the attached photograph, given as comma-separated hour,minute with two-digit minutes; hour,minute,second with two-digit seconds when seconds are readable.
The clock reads 6,25
